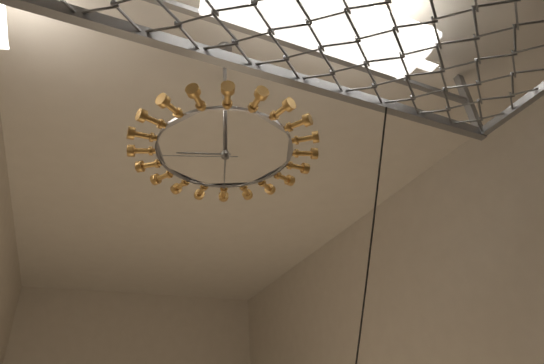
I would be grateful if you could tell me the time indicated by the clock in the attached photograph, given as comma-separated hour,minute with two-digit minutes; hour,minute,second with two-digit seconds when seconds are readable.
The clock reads 8,27,42
